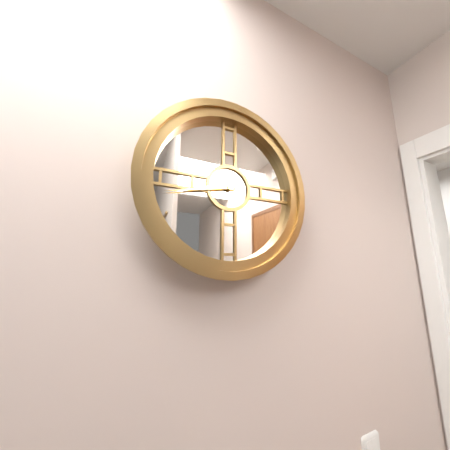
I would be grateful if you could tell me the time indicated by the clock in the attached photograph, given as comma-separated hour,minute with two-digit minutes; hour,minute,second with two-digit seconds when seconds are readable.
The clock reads 8,43
